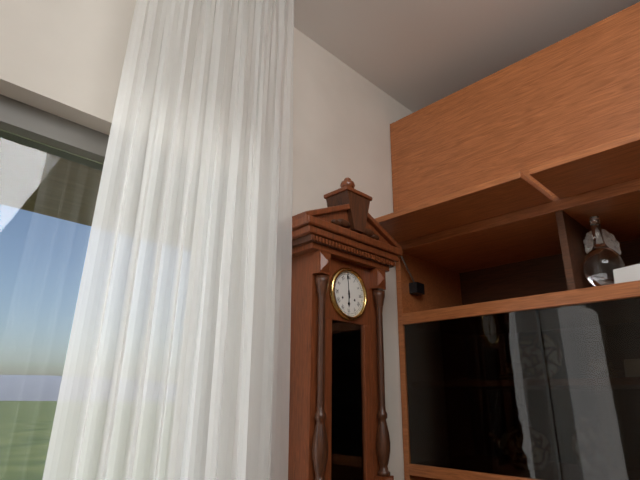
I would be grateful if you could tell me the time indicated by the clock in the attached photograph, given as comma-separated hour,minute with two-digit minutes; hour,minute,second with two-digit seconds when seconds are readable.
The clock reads 5,59
